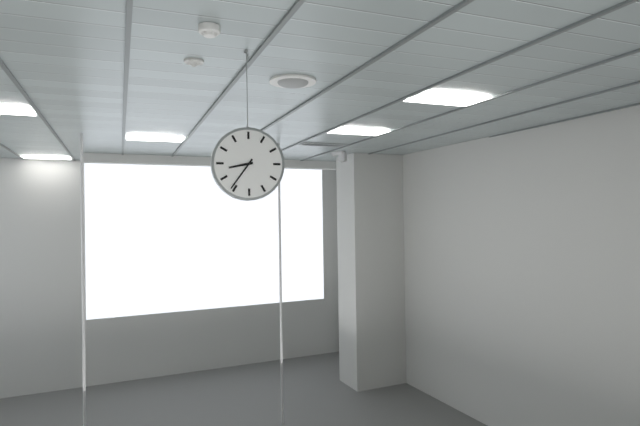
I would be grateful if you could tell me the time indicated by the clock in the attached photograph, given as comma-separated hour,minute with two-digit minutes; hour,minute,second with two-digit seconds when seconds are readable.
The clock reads 8,36
